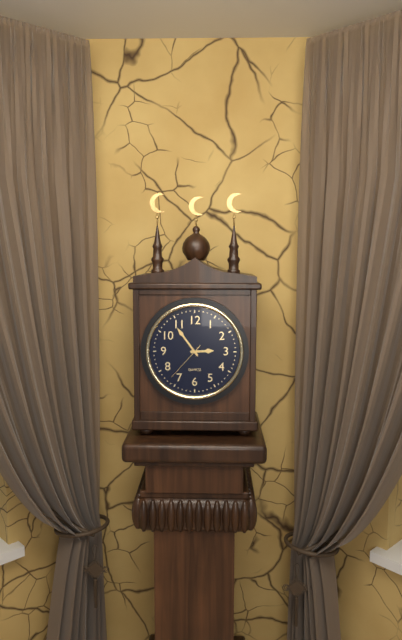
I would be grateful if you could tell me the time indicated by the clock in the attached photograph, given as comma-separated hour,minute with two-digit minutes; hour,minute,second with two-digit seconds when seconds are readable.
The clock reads 2,54
